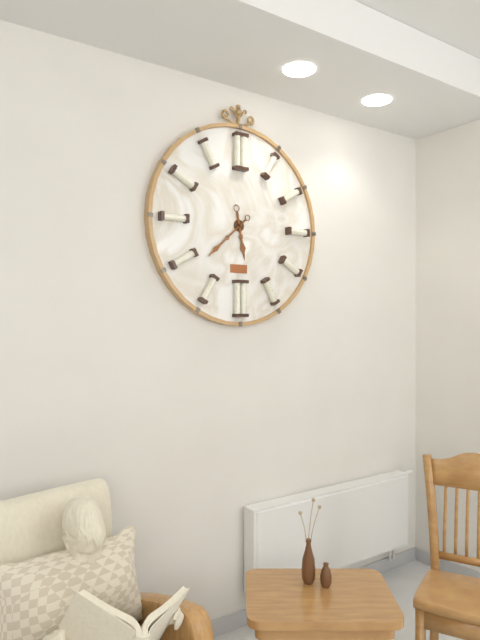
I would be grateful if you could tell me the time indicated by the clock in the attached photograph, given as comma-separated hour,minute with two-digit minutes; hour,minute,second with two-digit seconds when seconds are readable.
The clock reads 5,38
